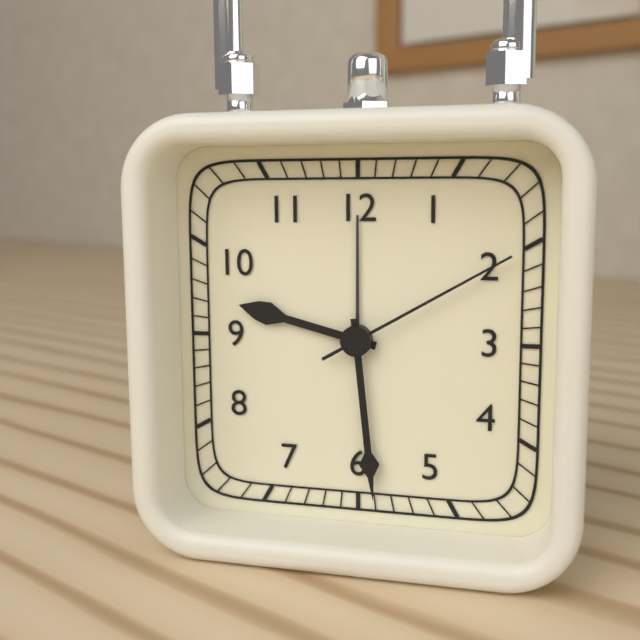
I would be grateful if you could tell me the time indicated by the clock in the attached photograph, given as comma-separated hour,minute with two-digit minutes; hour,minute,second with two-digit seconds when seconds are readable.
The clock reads 9,29,10
